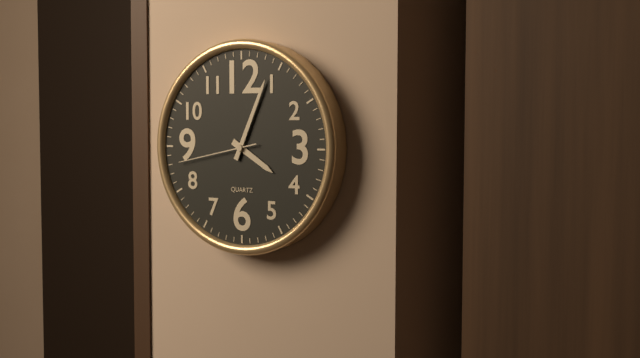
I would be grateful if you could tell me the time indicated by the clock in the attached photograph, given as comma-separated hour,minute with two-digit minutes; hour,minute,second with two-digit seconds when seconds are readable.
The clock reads 4,04,43
